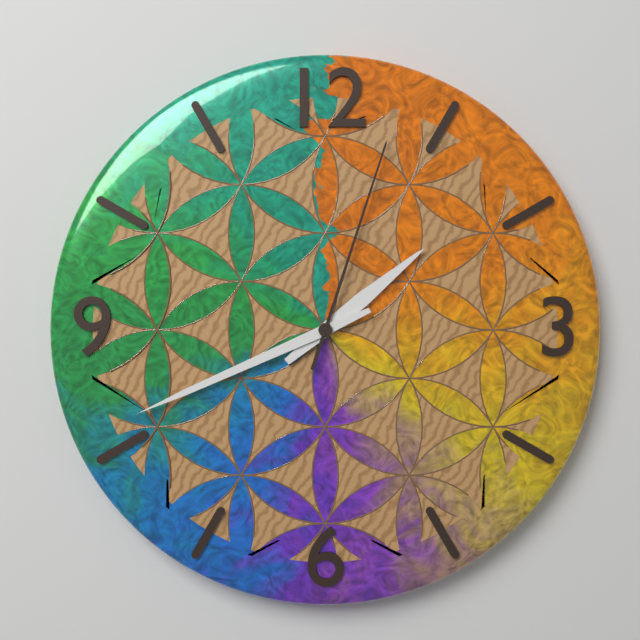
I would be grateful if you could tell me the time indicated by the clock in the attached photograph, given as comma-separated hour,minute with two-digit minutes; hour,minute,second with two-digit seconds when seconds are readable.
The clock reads 1,41,03
